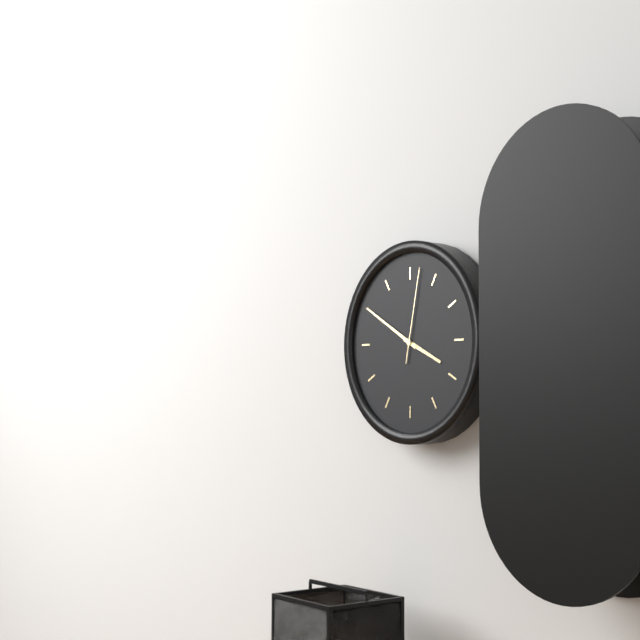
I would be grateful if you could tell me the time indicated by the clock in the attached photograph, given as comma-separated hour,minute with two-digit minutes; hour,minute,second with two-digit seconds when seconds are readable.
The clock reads 3,50,02
